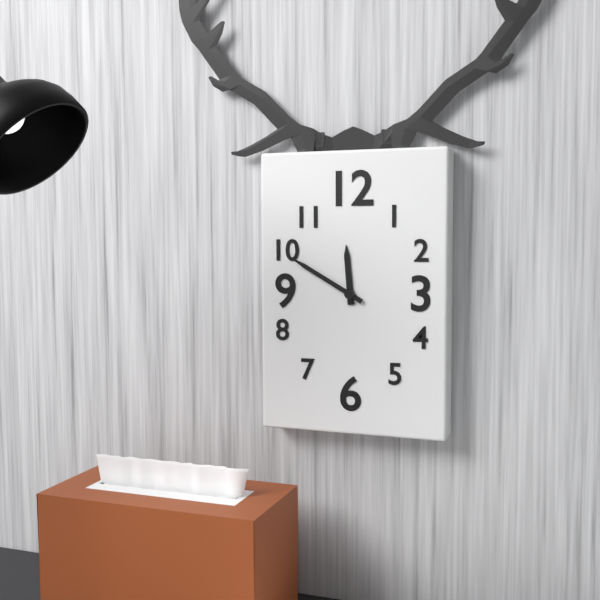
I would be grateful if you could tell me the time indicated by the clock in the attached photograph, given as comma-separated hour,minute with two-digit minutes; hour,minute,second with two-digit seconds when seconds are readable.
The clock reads 11,50
